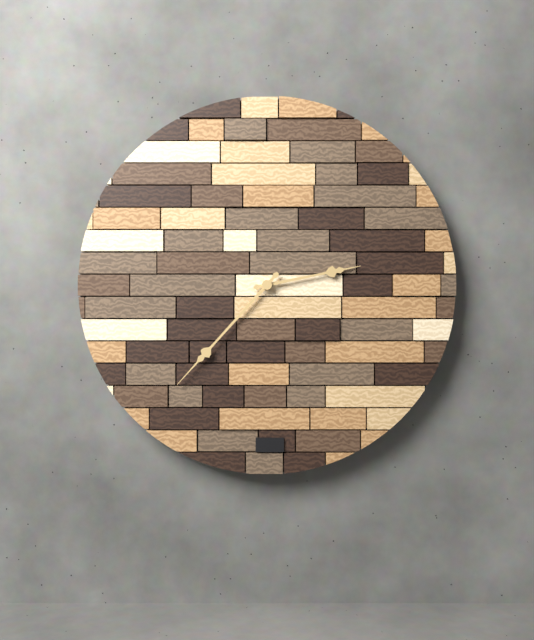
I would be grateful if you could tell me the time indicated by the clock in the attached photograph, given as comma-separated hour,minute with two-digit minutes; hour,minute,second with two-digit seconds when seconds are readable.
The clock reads 2,37
